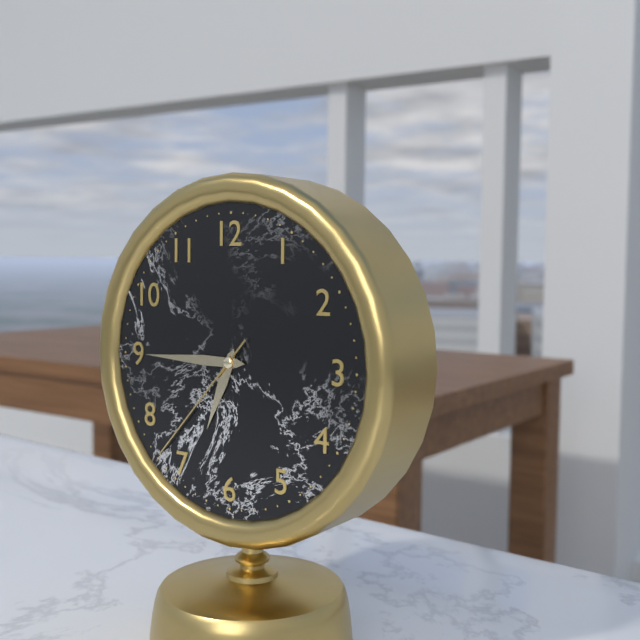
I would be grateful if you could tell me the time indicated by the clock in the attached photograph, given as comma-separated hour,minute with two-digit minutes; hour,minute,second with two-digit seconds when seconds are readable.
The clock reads 6,45,37
